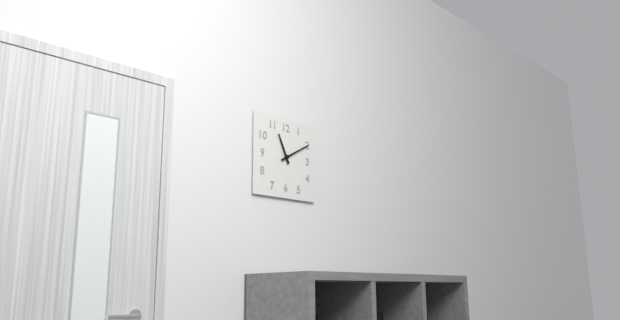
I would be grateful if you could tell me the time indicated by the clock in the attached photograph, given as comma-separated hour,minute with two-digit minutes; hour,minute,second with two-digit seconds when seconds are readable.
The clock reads 11,10
